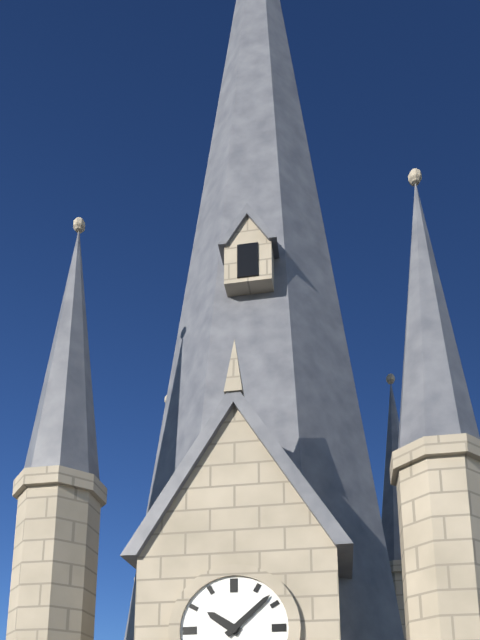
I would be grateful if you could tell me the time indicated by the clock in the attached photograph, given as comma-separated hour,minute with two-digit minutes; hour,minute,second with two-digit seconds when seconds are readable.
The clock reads 10,08
